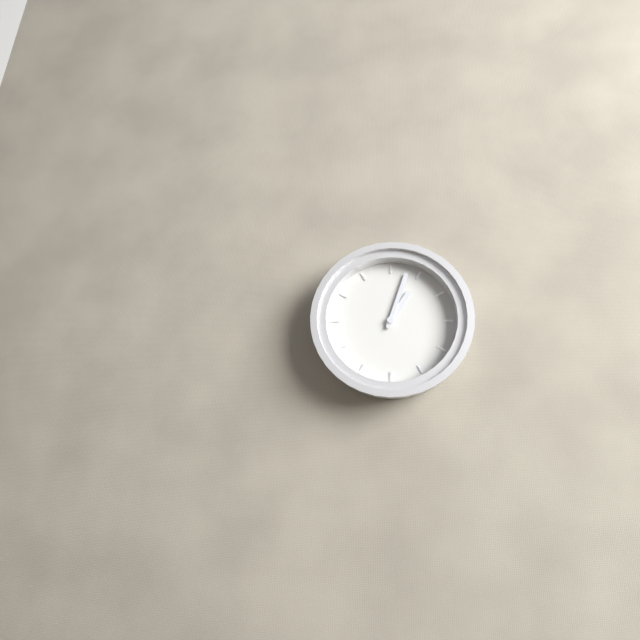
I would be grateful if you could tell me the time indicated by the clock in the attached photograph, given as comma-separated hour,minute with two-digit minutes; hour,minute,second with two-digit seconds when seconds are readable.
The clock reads 1,03
